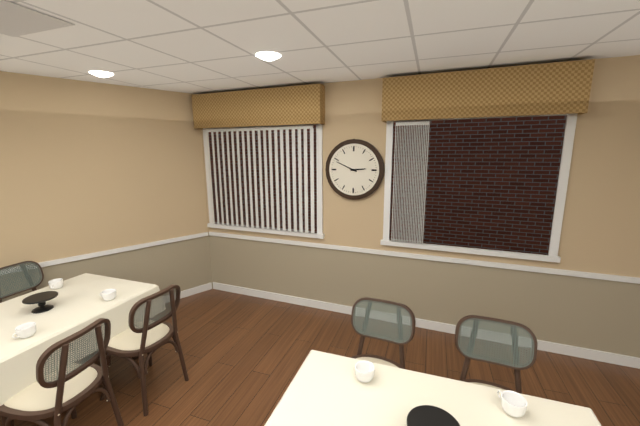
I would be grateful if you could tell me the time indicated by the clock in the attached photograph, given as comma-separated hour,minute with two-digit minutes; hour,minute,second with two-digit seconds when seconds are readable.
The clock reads 2,49
